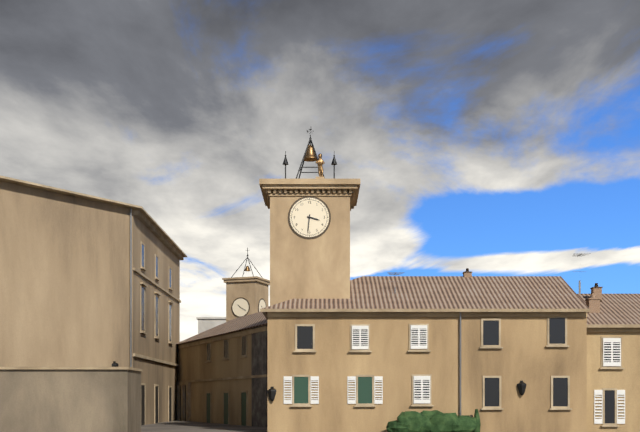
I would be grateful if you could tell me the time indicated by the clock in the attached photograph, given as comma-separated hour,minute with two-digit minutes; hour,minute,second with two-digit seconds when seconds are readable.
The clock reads 3,31
